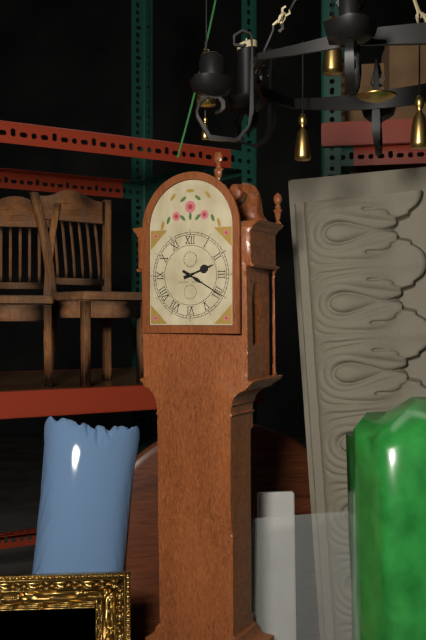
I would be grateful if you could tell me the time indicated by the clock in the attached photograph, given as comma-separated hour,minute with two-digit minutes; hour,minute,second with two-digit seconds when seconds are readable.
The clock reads 2,20
